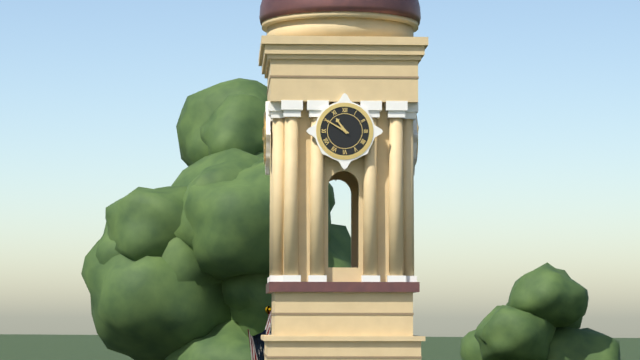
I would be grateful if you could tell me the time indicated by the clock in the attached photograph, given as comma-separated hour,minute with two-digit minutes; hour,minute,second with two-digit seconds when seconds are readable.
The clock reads 10,50
